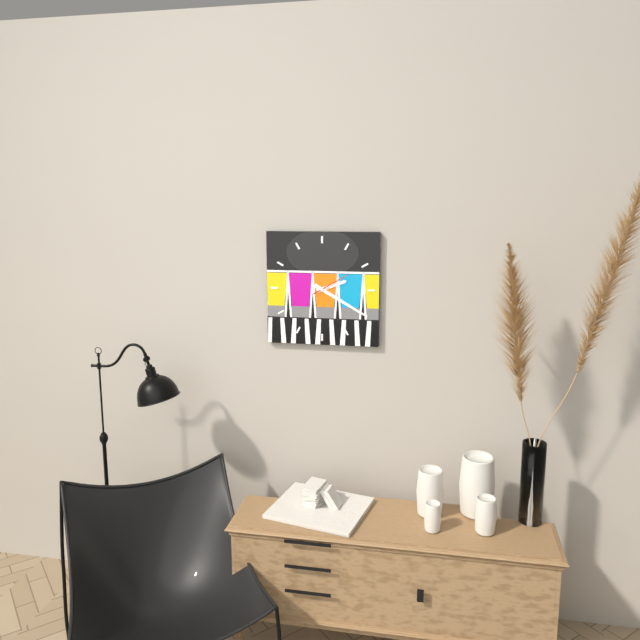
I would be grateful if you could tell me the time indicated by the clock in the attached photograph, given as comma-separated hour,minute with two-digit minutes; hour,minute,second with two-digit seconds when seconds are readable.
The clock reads 2,20
